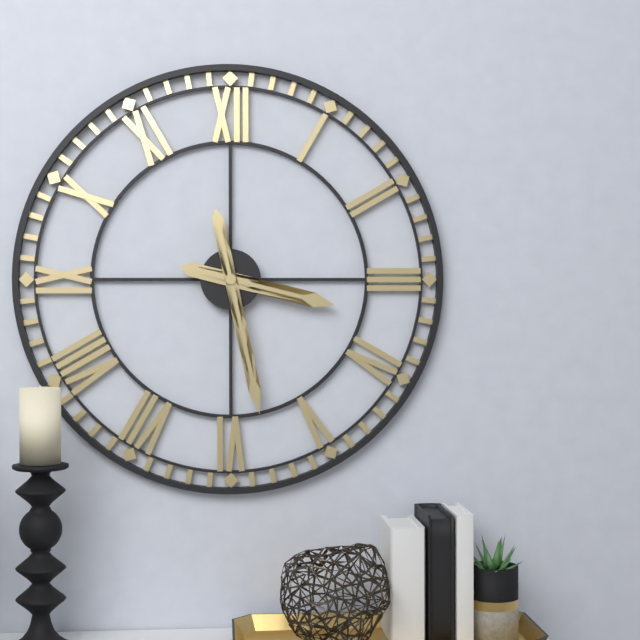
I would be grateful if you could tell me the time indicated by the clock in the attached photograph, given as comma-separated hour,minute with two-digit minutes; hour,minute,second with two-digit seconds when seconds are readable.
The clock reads 3,28
